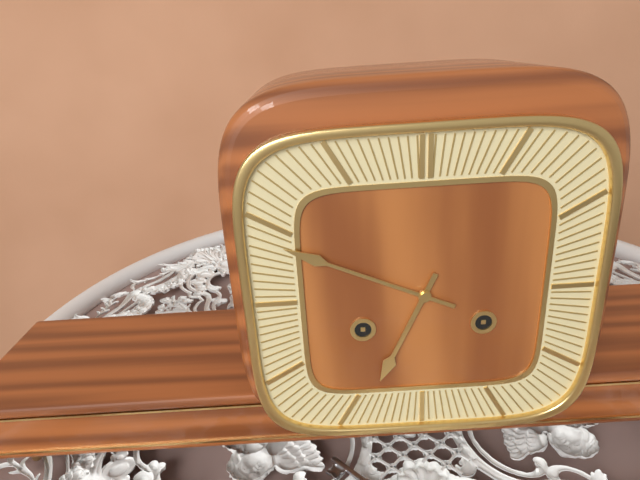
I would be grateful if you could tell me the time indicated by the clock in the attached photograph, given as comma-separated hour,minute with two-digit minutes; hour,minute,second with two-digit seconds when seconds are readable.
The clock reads 6,49
